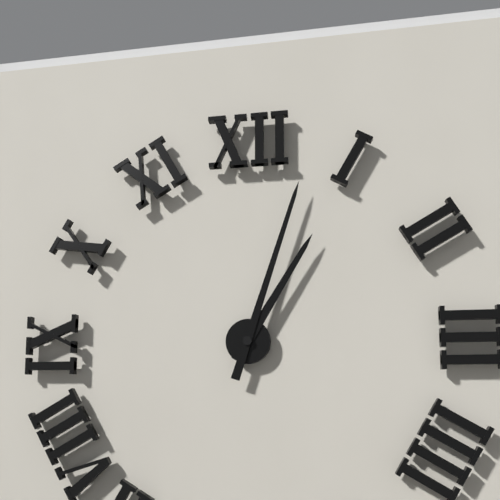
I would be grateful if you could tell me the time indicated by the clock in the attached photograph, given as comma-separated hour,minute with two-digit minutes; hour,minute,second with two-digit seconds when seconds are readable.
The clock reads 1,03
